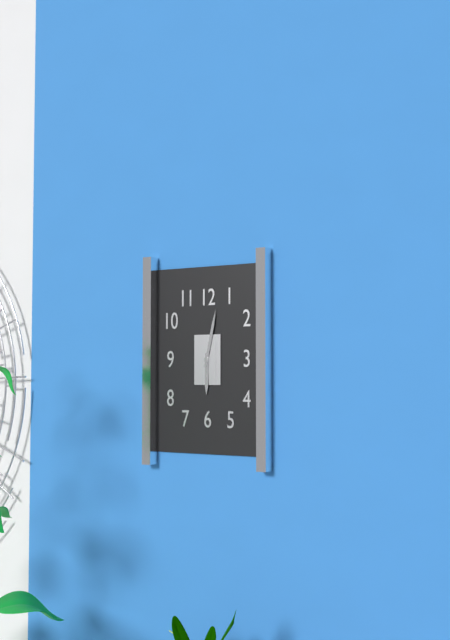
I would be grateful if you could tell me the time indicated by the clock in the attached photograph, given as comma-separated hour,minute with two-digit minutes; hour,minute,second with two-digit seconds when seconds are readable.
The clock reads 6,02
